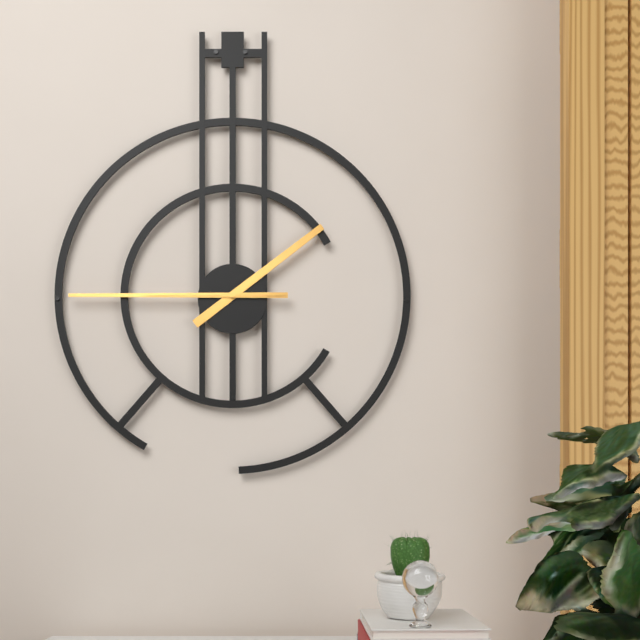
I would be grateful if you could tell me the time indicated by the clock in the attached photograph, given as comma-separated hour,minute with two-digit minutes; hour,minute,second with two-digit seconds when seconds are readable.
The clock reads 1,45,45
